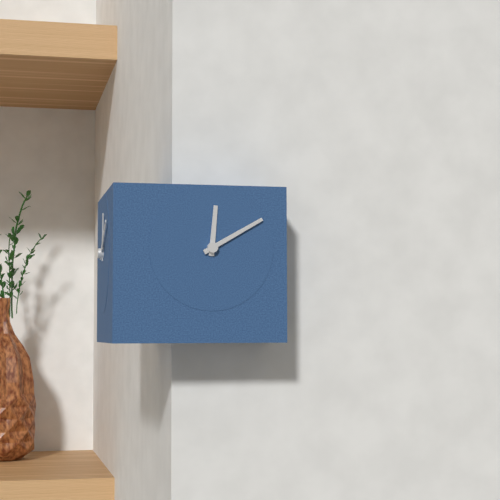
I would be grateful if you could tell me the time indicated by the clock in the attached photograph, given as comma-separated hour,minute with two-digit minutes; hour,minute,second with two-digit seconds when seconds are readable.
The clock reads 12,10
